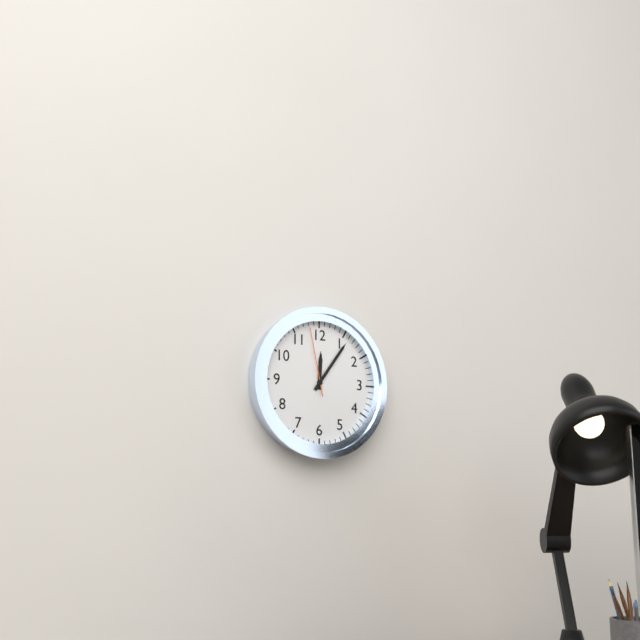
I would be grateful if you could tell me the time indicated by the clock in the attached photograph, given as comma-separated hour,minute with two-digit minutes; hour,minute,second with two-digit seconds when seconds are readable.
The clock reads 12,06,58
